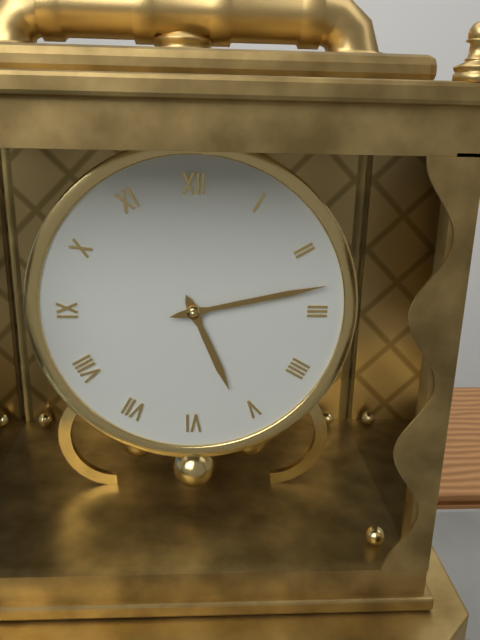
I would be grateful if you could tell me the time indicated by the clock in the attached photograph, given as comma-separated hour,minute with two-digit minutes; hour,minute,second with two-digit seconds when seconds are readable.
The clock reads 5,13
